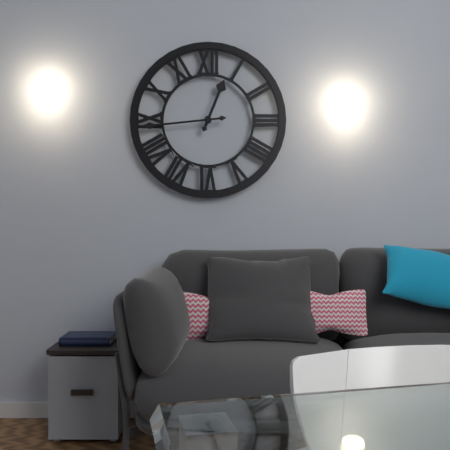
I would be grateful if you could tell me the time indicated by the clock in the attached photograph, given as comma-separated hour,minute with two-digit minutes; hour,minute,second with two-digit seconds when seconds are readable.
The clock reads 12,44
